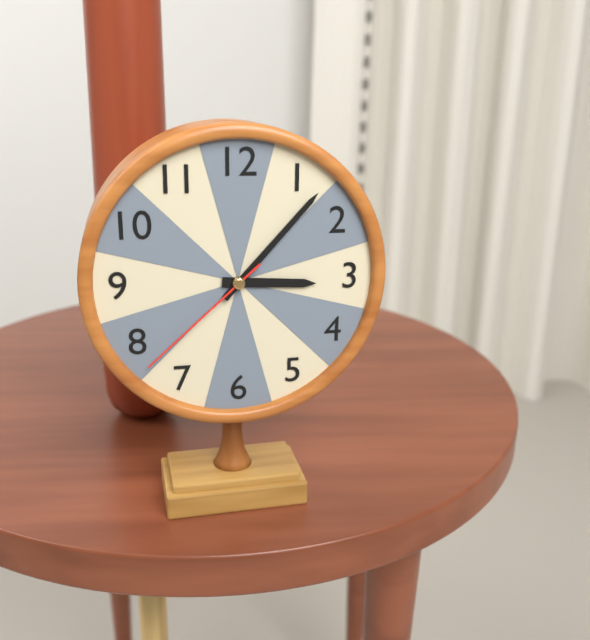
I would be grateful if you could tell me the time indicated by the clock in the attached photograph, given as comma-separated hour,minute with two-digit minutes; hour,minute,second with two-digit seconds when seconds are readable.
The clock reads 3,07,38
